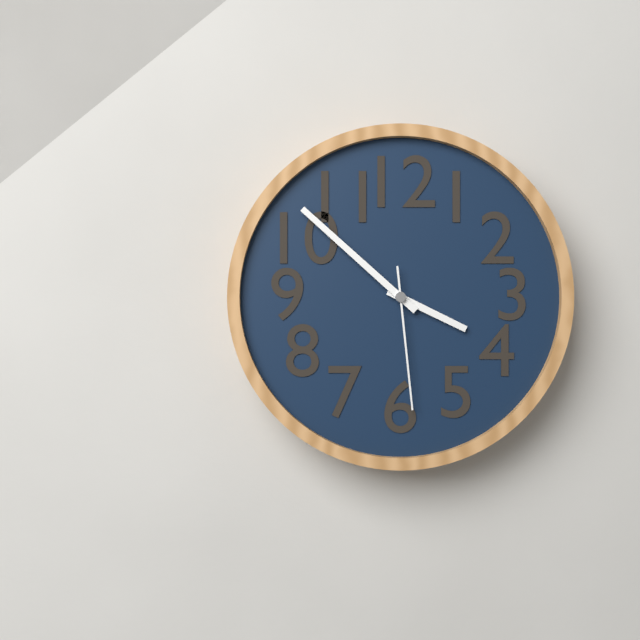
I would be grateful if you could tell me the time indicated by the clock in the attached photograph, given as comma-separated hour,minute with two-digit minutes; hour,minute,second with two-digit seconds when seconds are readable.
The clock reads 3,52,29
